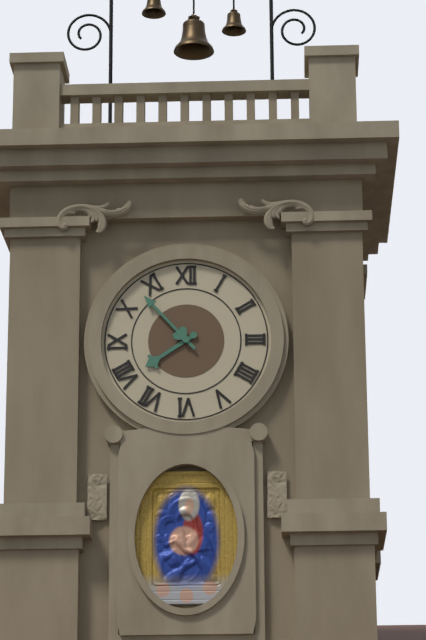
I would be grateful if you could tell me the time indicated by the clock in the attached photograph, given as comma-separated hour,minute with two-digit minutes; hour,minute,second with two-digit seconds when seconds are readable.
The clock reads 7,53
